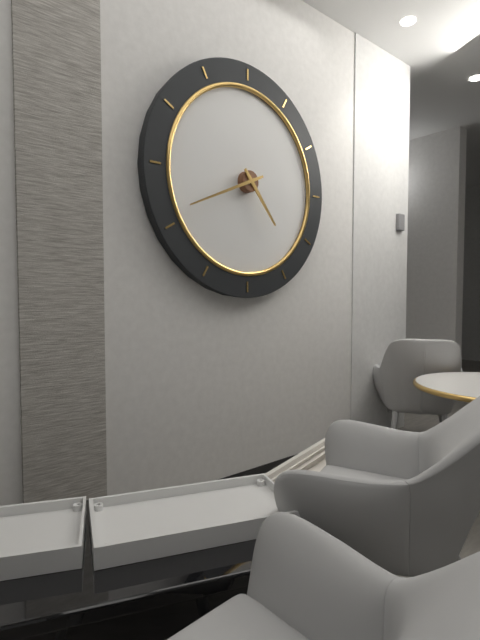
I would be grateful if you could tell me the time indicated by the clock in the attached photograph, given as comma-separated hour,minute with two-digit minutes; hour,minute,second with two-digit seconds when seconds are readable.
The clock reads 4,41
